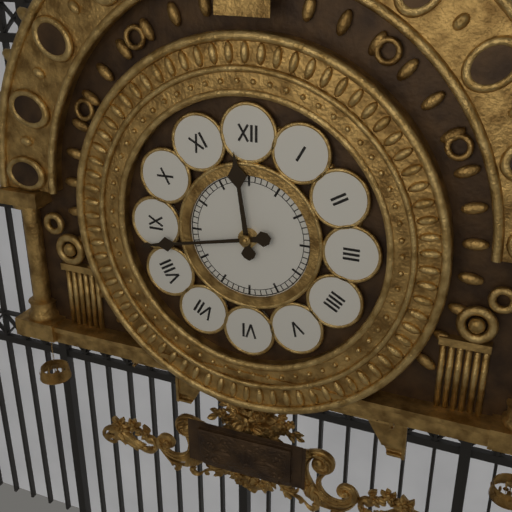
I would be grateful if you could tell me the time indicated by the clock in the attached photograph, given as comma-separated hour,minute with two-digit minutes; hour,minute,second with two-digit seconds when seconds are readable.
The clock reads 11,43
